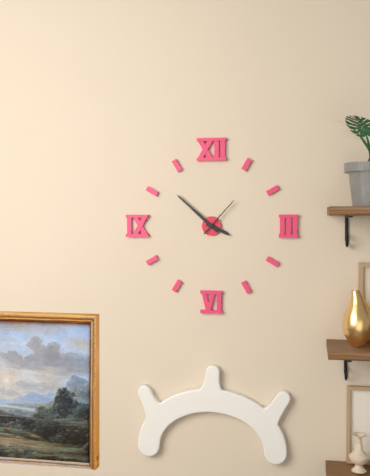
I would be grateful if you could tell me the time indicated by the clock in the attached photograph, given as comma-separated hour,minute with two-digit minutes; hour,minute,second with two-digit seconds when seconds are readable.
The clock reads 3,52
